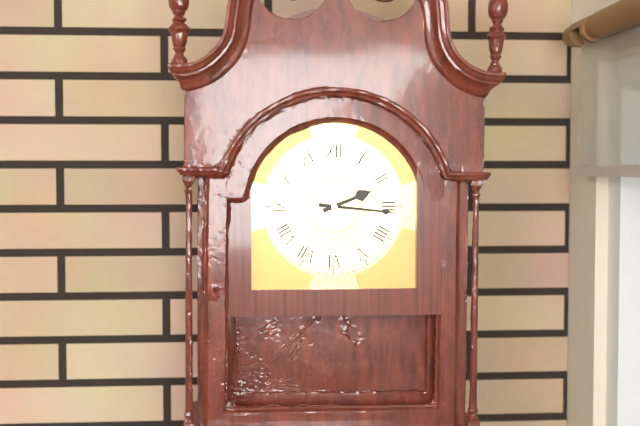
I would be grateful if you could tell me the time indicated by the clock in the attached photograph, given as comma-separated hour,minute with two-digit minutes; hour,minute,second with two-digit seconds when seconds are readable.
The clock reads 2,16
